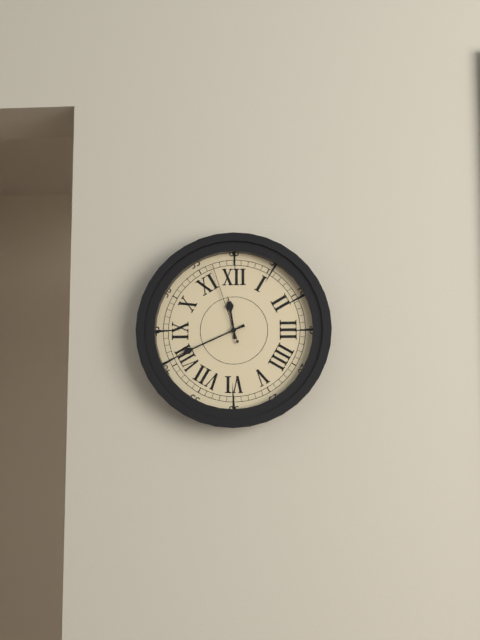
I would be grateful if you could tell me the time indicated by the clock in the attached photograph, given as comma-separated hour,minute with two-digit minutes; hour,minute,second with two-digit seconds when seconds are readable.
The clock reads 11,41,57
